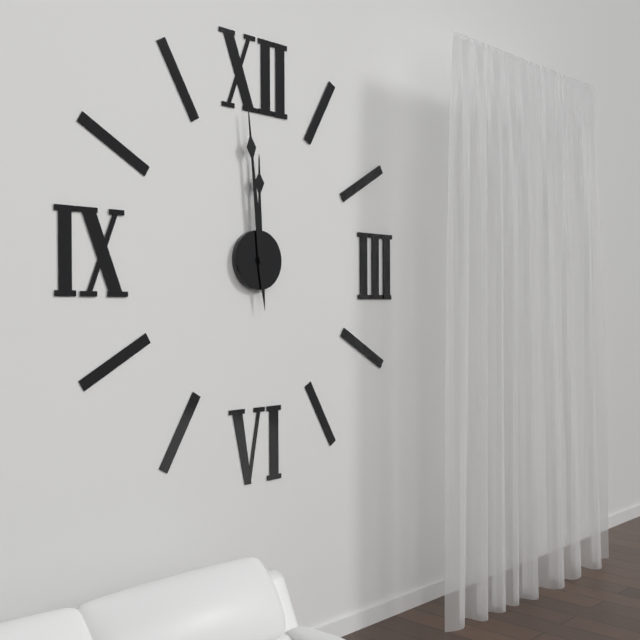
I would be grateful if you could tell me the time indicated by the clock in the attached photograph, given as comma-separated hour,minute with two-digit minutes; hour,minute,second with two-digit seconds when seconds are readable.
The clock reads 11,59
